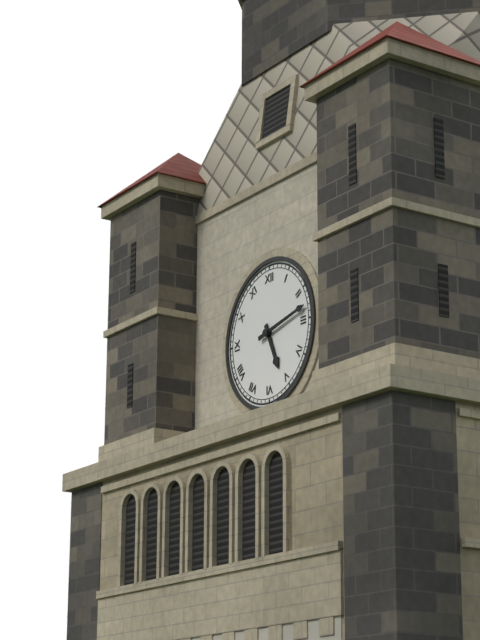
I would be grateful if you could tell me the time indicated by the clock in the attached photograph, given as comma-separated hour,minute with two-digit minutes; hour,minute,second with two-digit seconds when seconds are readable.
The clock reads 5,13
